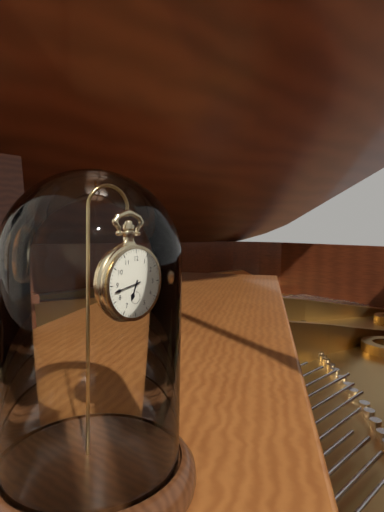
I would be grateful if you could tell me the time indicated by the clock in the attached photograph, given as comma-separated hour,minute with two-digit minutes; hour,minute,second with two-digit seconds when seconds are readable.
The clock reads 6,43
